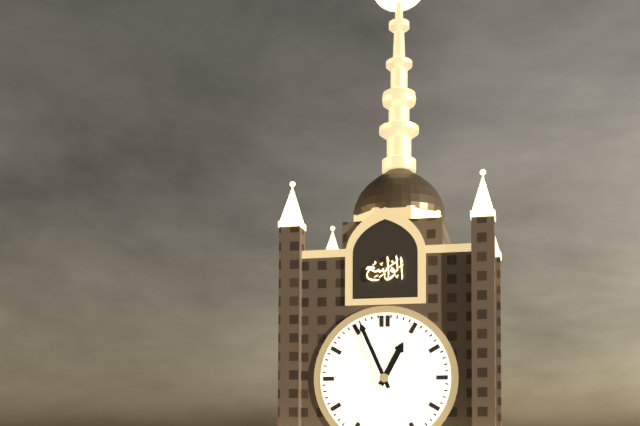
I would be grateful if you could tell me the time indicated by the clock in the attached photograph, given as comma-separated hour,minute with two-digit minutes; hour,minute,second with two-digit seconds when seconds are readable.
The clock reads 12,56
